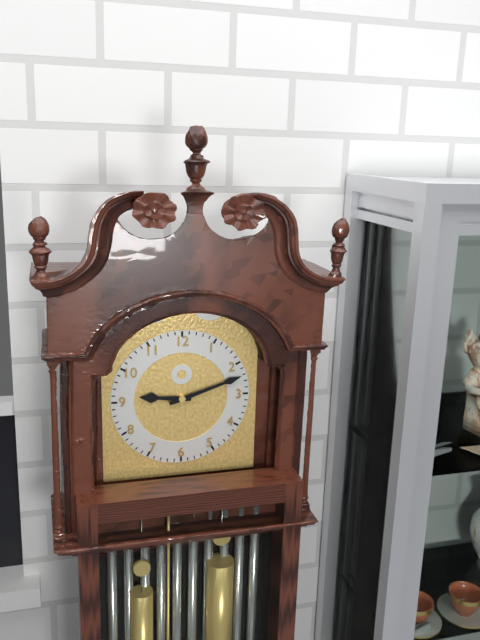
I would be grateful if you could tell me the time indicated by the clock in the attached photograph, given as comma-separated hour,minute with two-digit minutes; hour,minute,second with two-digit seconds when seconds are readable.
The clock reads 9,12
